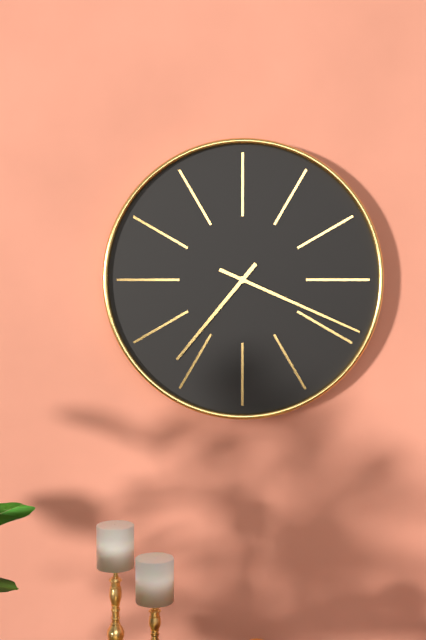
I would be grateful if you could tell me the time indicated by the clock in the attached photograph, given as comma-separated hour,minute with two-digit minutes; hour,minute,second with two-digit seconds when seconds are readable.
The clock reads 7,19
